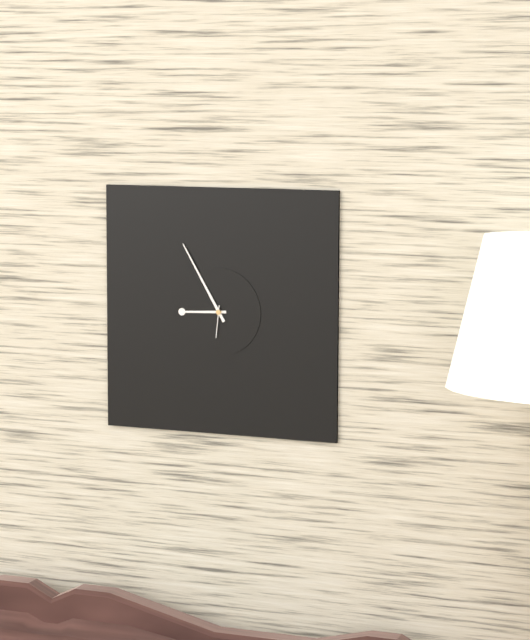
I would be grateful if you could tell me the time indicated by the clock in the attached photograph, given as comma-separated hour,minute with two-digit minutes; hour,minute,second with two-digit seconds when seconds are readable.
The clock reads 8,55
